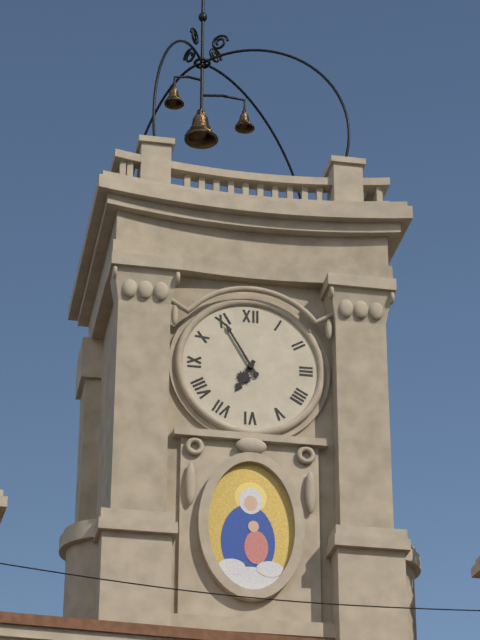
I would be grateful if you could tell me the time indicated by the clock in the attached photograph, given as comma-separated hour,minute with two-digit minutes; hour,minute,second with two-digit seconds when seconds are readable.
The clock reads 6,55
